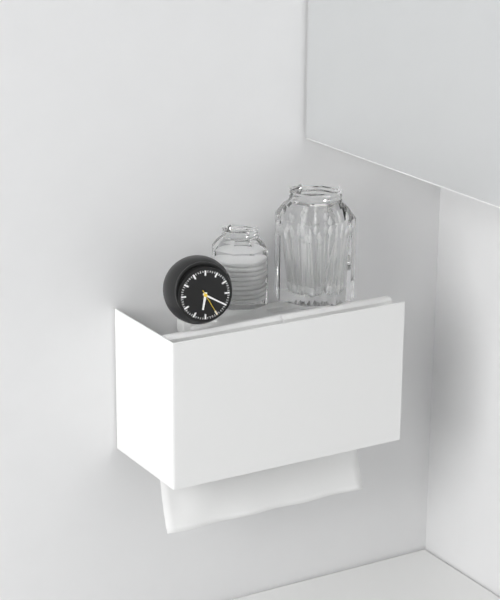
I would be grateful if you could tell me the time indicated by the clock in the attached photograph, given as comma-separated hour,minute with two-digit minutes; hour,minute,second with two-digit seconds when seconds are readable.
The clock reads 6,20
